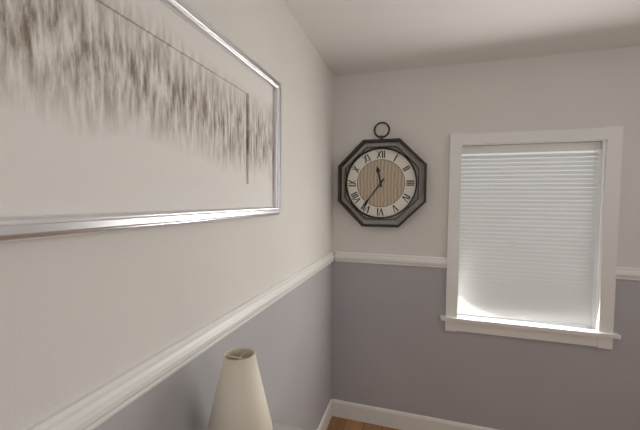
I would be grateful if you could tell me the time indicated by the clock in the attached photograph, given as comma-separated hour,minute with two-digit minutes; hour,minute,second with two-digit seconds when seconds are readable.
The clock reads 11,36
